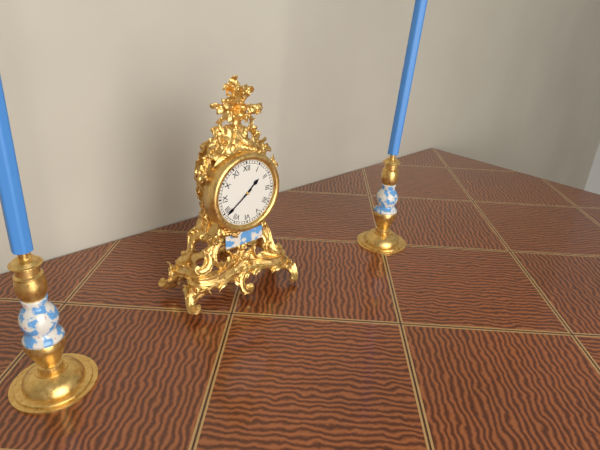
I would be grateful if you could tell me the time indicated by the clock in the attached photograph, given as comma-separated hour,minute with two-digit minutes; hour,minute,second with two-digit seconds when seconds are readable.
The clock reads 1,39
